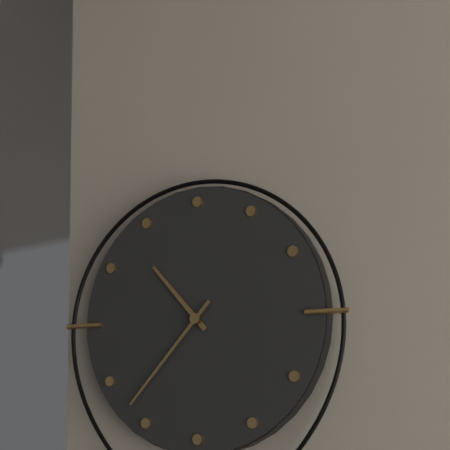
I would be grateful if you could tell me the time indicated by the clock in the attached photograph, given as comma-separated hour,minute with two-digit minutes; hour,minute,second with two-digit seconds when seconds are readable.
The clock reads 10,37
